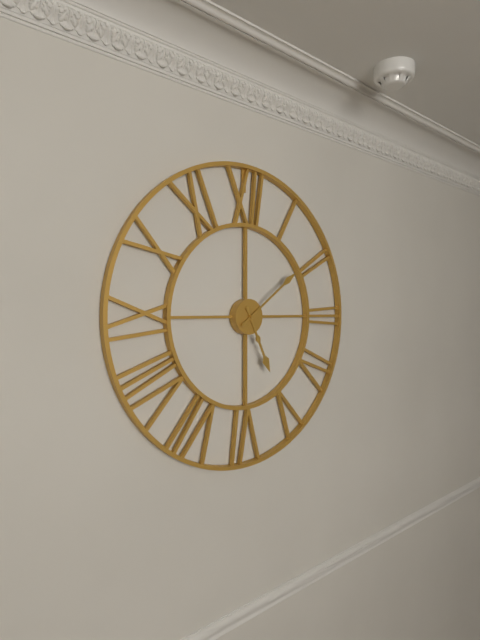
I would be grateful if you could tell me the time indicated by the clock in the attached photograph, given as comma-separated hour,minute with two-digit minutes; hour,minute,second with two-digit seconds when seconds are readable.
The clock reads 5,09
